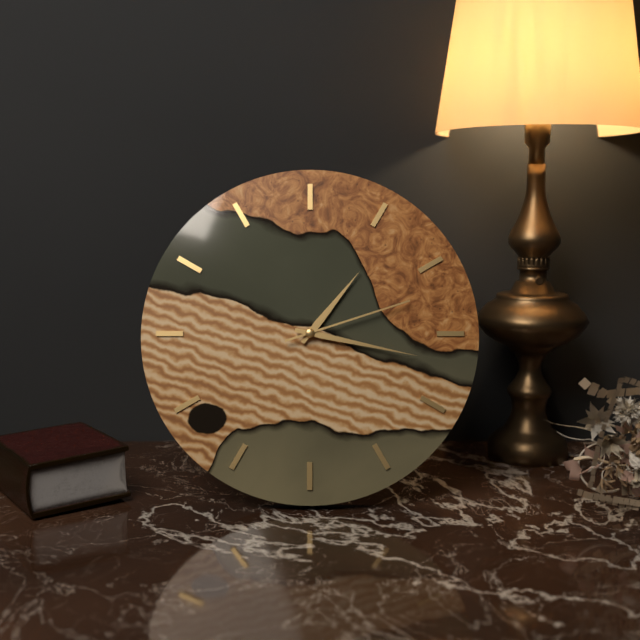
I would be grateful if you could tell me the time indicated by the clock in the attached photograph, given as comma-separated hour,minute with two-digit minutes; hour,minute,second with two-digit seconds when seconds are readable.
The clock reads 1,17,12
